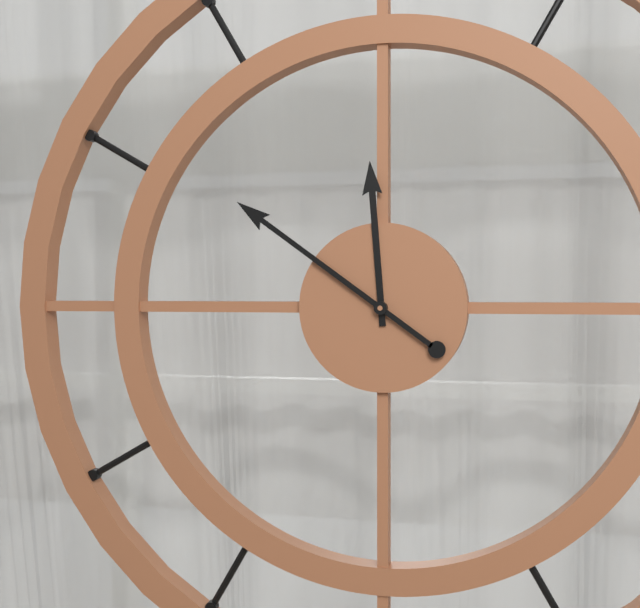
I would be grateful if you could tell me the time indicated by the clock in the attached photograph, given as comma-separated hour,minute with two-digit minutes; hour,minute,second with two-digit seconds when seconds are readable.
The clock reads 11,51
